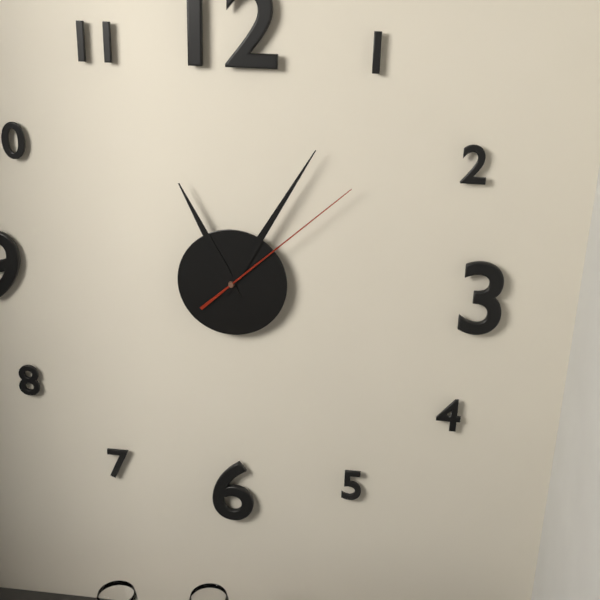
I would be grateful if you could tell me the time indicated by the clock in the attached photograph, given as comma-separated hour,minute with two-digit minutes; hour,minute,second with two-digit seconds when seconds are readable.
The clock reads 11,05,08
